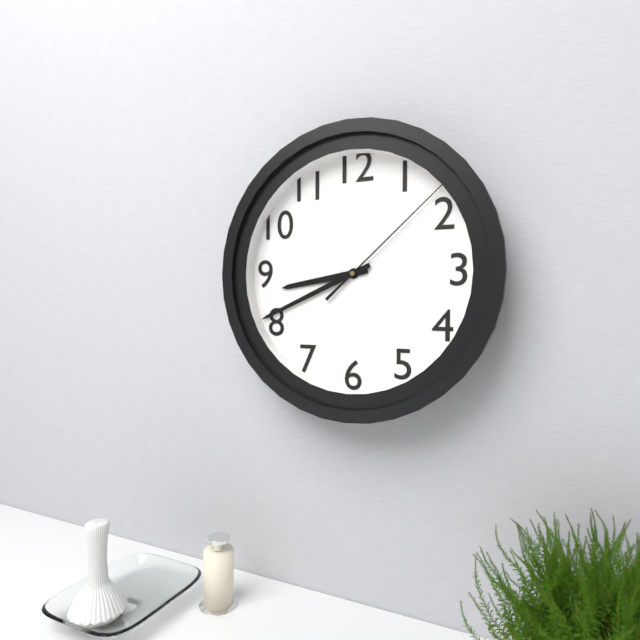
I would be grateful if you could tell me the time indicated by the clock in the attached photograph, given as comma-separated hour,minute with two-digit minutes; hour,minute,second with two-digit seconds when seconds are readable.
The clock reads 8,41,08
